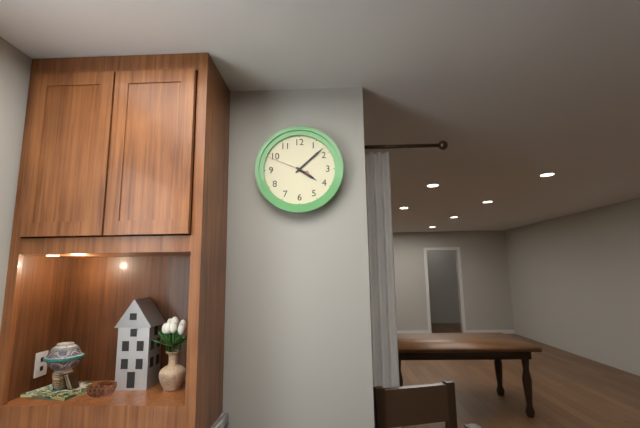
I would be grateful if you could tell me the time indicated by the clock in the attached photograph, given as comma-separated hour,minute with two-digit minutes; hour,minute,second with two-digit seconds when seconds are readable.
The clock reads 4,08
